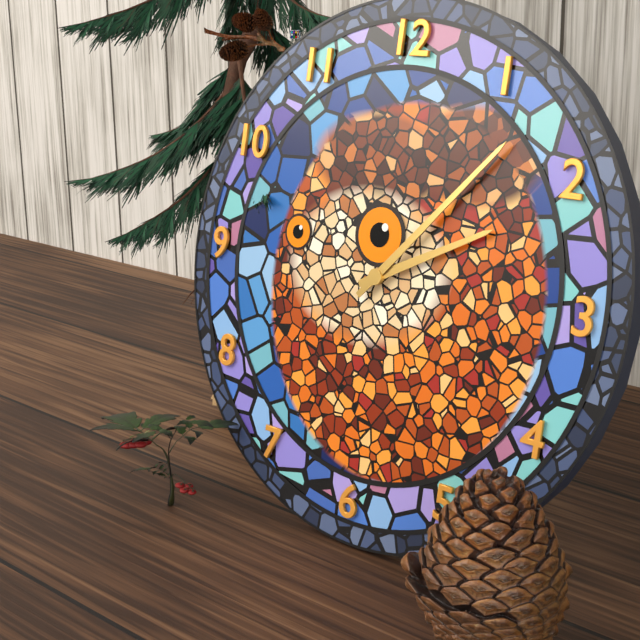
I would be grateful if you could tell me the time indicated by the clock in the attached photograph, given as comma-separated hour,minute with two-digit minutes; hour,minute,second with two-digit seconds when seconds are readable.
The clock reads 2,07
